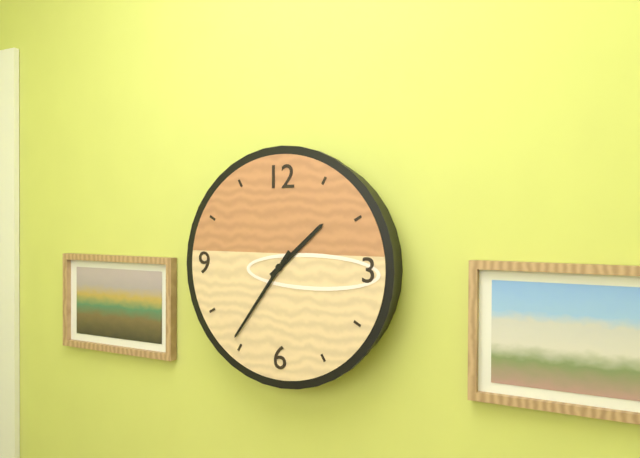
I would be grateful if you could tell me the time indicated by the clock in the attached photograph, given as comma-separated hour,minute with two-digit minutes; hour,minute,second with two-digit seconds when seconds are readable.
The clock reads 1,36
